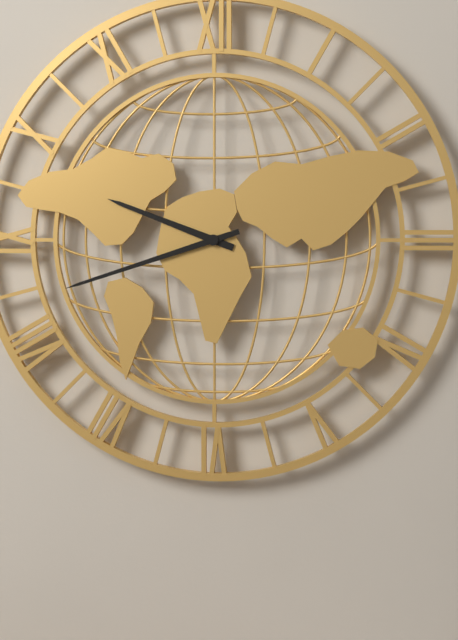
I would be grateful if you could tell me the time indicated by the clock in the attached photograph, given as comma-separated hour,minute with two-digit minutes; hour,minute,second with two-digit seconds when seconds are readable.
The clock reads 9,42
